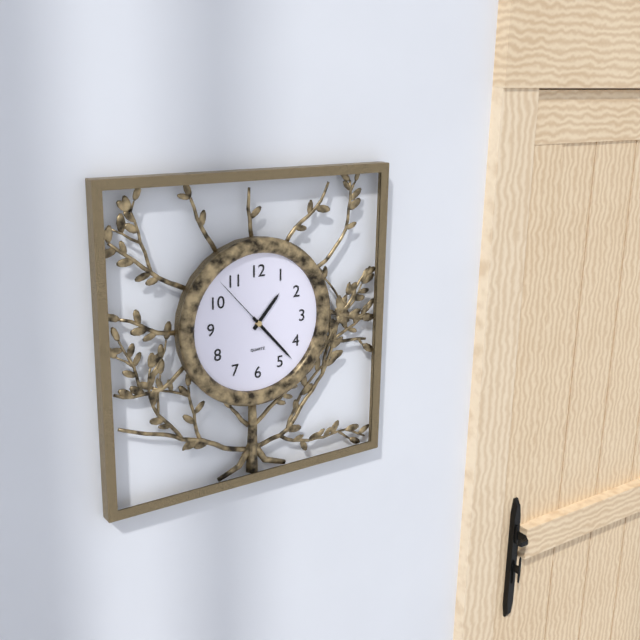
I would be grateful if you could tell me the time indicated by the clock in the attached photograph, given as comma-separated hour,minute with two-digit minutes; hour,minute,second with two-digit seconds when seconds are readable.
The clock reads 1,23,53
